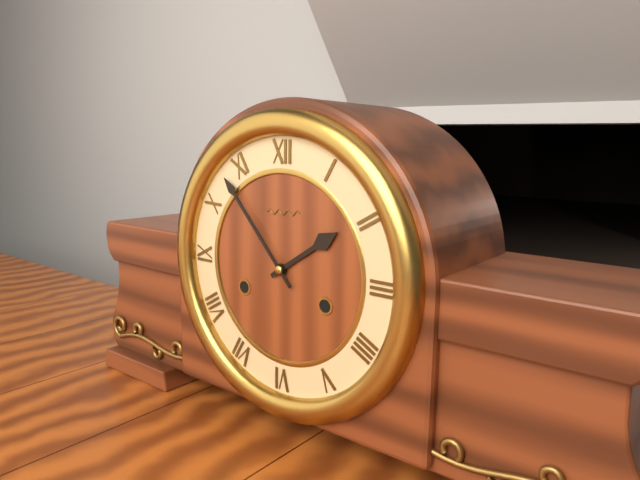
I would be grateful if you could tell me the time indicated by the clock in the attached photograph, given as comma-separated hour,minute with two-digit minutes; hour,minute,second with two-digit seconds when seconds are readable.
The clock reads 1,53
